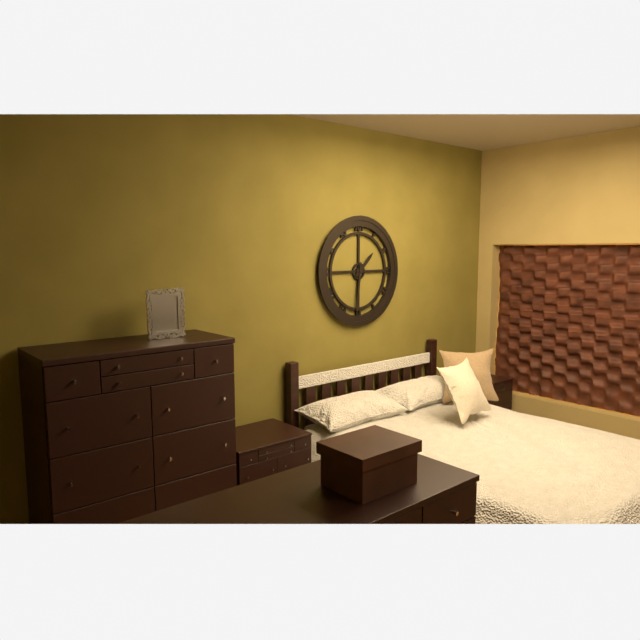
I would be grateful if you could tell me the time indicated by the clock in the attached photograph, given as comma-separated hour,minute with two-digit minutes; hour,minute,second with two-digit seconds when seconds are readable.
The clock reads 1,31
